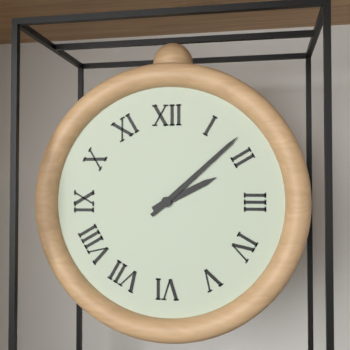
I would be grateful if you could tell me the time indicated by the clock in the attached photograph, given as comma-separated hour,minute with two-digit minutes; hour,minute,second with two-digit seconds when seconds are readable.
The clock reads 2,08
